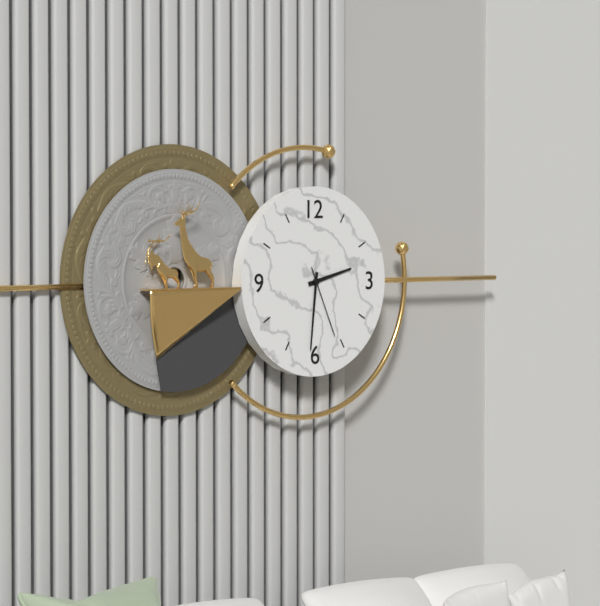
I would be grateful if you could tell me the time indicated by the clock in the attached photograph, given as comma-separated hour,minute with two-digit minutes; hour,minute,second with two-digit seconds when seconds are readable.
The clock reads 2,31,26
